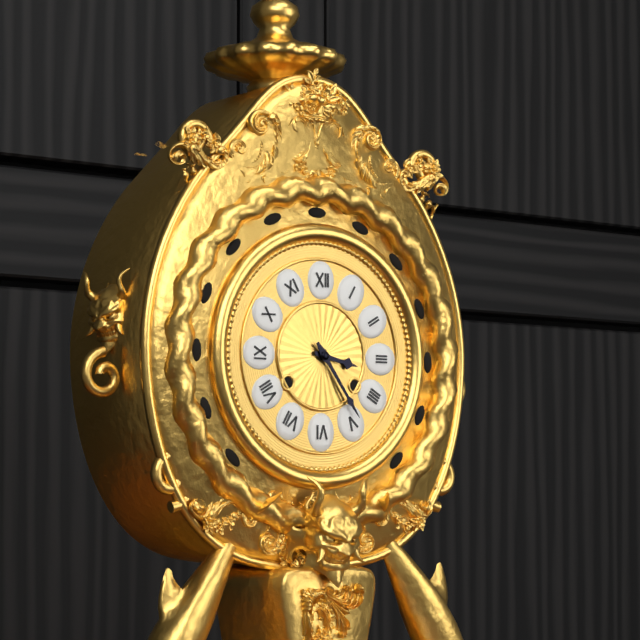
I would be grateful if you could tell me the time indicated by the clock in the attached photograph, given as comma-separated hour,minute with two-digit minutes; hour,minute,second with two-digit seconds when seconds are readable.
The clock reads 3,24
